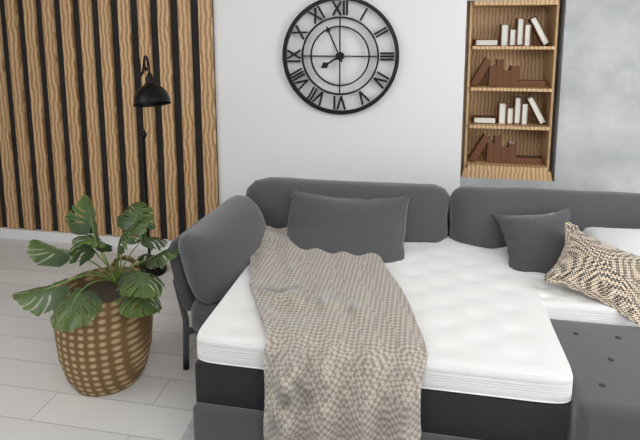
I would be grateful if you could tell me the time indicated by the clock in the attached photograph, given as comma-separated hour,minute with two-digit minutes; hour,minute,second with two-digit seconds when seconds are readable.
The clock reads 7,56
